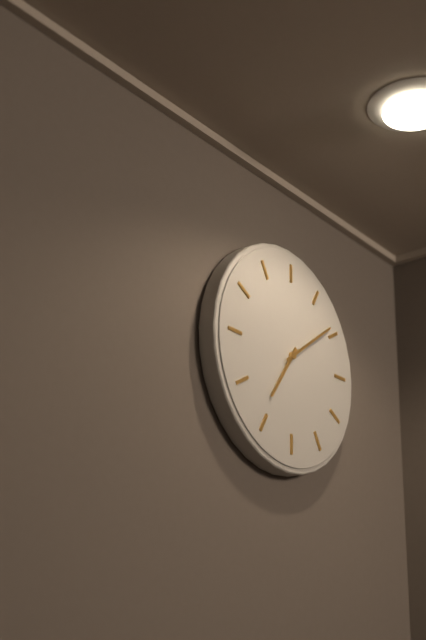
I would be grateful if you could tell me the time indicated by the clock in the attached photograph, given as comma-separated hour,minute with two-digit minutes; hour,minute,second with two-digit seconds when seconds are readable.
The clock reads 7,09
